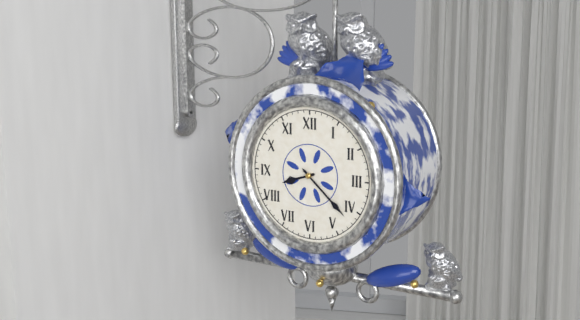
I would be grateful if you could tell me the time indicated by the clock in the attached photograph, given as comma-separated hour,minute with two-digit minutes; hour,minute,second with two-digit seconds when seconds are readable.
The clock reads 8,22
